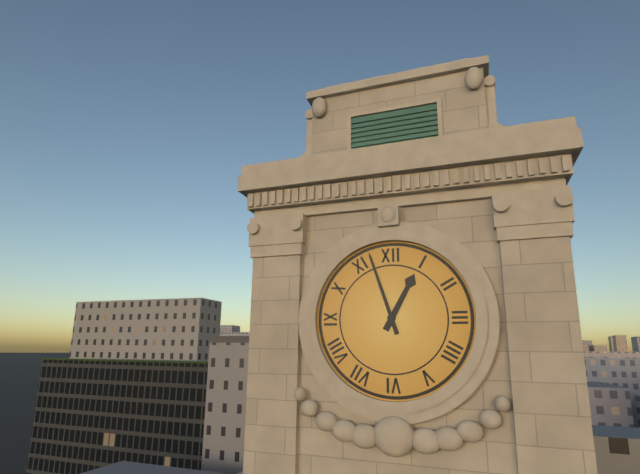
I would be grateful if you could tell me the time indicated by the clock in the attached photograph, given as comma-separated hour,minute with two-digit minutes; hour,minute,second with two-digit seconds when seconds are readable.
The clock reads 12,57
